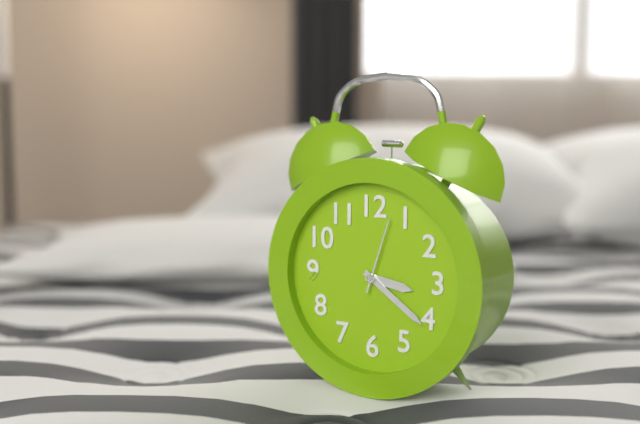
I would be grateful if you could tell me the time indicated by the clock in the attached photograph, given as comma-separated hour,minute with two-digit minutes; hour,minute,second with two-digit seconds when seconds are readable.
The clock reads 3,21,03
